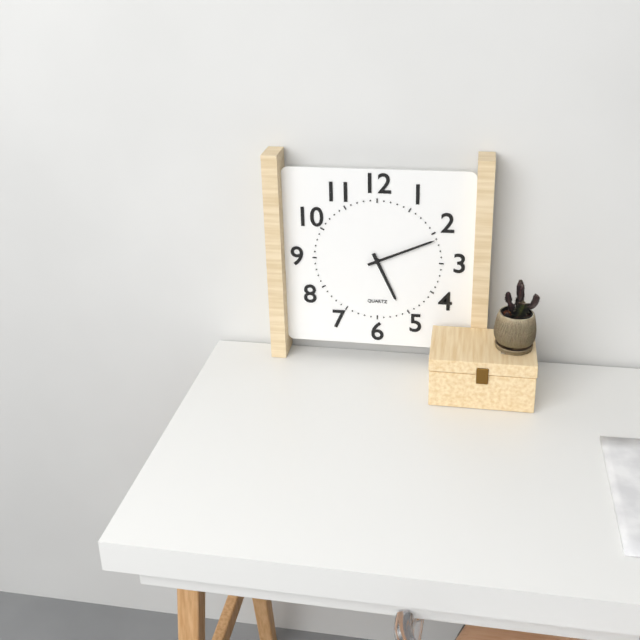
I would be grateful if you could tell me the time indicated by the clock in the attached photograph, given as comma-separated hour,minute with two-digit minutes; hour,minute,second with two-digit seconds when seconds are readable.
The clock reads 5,11
